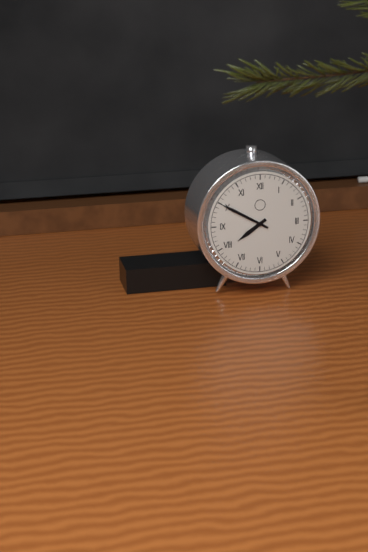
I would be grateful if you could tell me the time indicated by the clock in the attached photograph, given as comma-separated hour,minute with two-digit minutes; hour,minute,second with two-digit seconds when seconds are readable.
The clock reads 7,50
